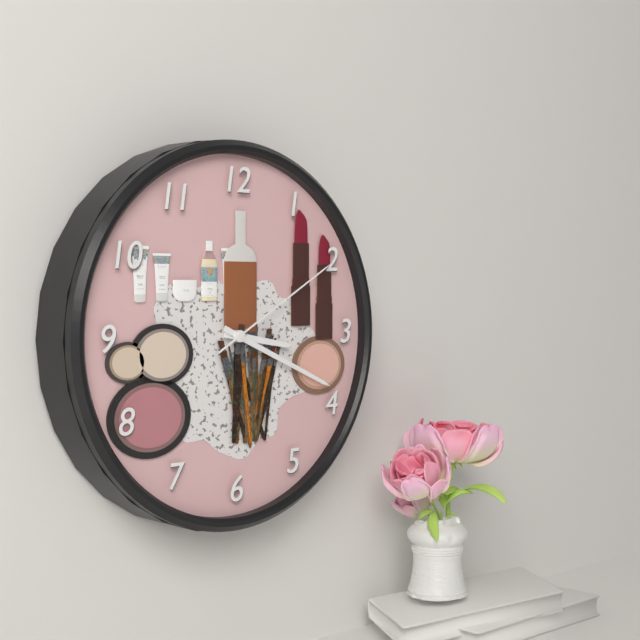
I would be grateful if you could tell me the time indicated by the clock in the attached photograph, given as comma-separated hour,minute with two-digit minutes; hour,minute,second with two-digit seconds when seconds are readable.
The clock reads 3,19,10
